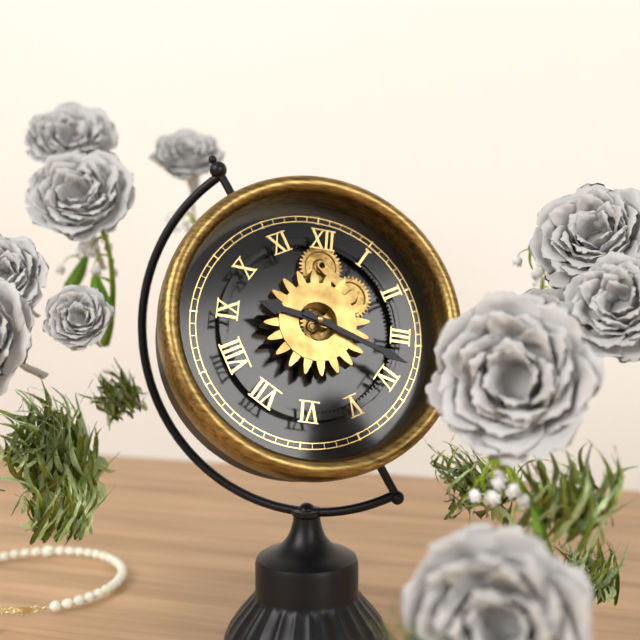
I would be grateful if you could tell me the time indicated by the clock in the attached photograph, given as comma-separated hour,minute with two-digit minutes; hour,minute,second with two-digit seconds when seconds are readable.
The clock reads 9,18
